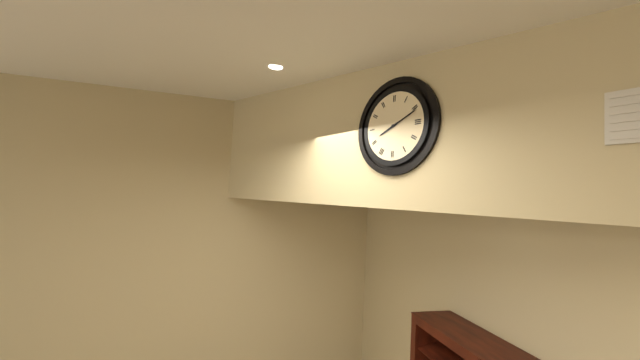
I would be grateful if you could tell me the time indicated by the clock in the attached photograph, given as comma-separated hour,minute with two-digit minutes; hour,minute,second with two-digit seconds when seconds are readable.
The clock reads 8,11
